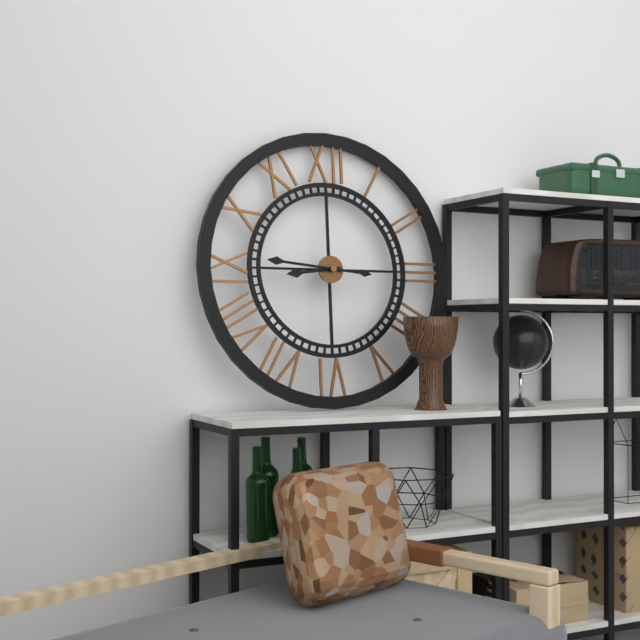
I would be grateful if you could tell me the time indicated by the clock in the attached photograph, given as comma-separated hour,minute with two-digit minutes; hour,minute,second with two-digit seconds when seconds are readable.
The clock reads 8,46
